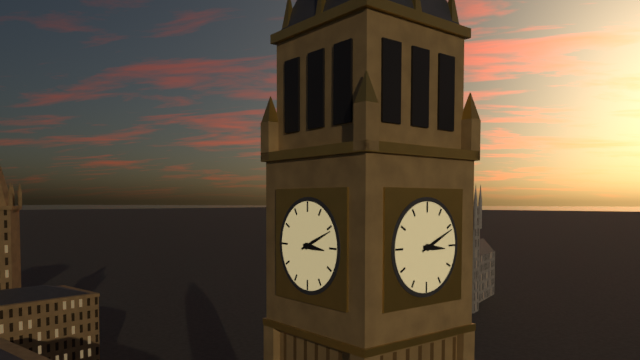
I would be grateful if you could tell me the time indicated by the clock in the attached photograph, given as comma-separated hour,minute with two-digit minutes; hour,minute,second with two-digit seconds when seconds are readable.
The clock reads 3,11
